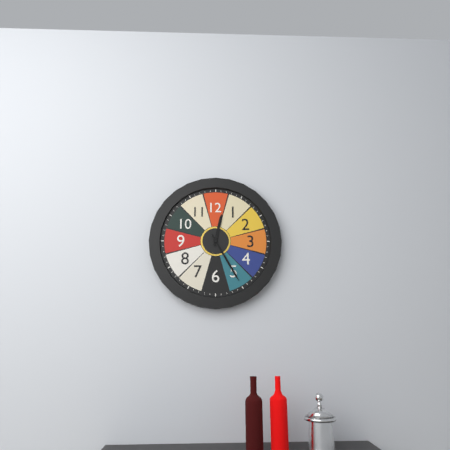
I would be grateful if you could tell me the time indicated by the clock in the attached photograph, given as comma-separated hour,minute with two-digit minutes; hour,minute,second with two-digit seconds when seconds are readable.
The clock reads 12,25
